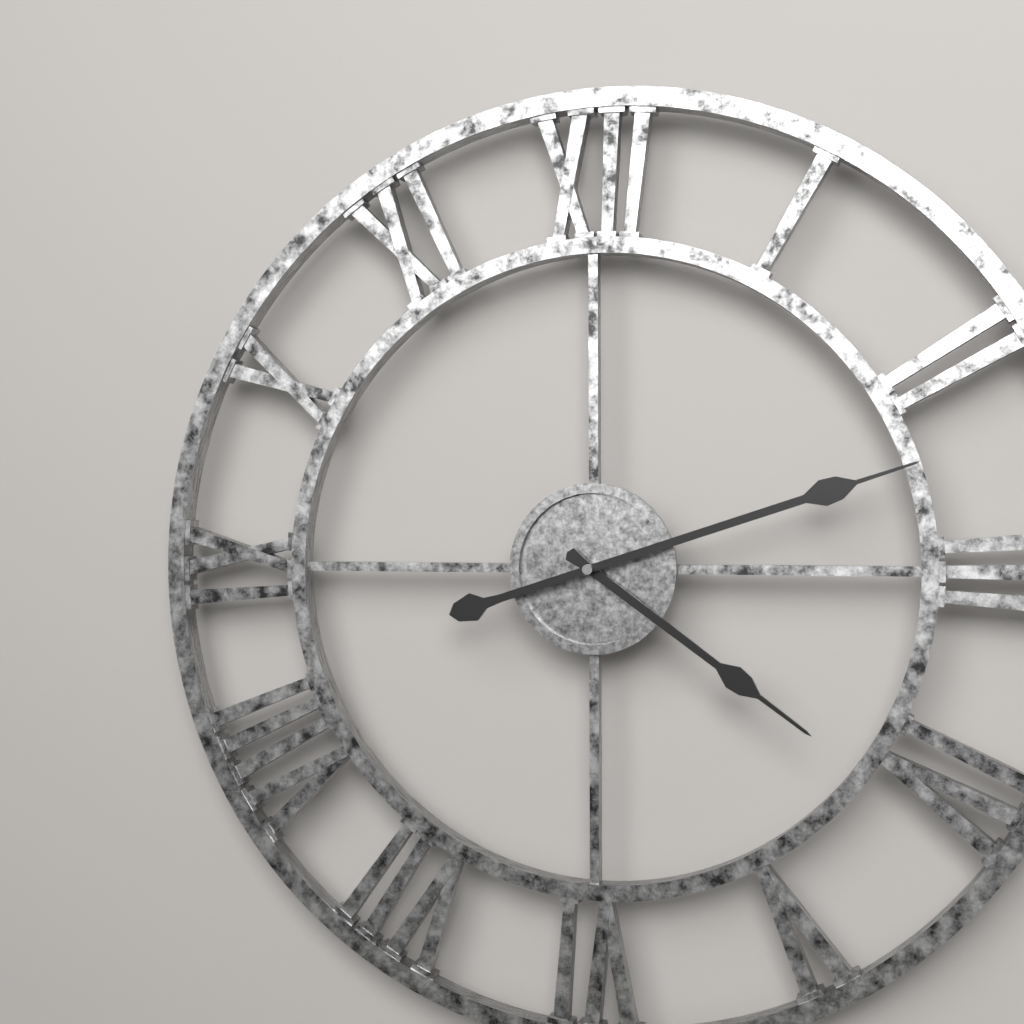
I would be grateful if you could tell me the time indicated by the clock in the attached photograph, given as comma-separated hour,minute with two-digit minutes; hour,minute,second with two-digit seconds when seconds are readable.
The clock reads 4,12
